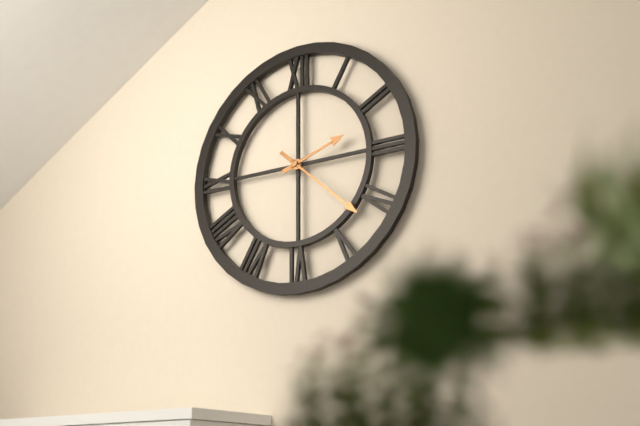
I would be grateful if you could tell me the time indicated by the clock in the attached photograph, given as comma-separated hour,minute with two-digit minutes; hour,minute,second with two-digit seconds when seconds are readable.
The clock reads 2,22
